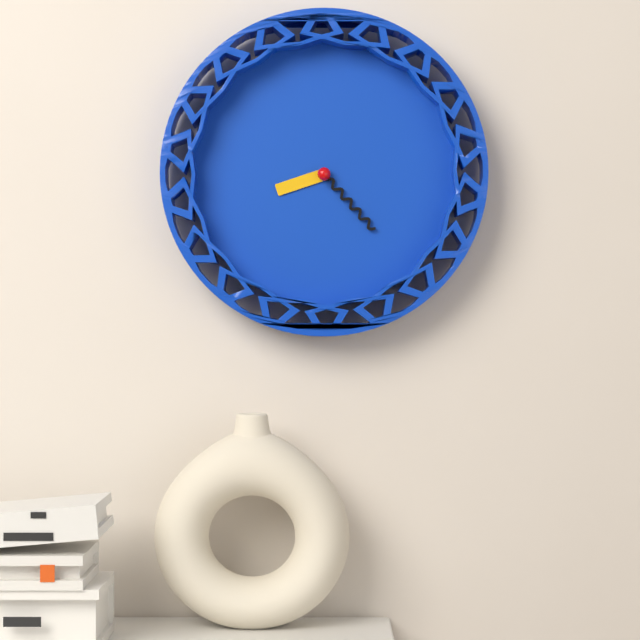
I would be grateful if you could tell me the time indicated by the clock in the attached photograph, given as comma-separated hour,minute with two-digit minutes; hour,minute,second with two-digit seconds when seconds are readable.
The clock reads 8,23
